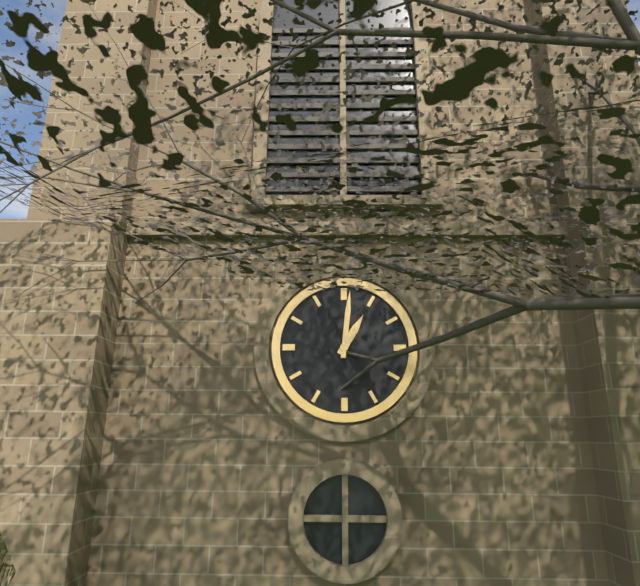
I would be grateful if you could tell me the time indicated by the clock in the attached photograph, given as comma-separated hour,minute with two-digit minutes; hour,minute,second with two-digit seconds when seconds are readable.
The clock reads 1,01
